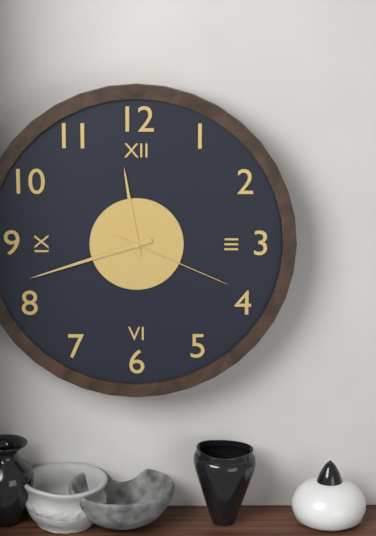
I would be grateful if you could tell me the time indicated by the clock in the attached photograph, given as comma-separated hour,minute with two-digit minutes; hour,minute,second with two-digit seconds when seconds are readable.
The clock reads 11,42,19
